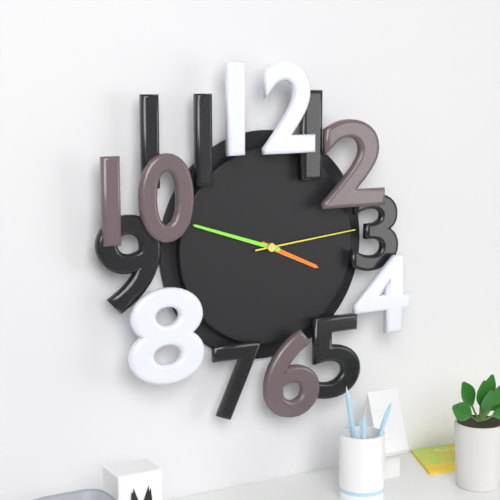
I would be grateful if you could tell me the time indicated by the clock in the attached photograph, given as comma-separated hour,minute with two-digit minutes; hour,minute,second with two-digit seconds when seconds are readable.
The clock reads 3,48,14
